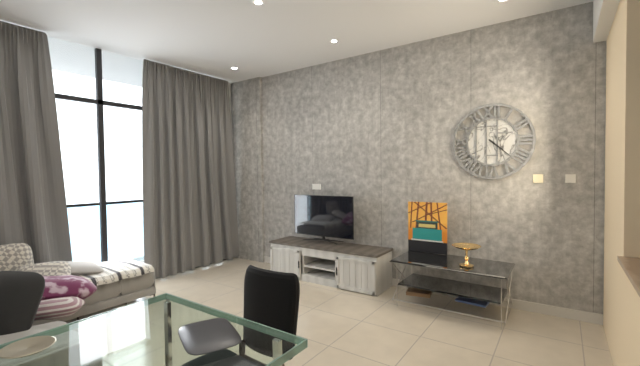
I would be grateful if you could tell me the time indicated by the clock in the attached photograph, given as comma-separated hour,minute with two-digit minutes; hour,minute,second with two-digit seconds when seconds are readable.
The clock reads 4,22
